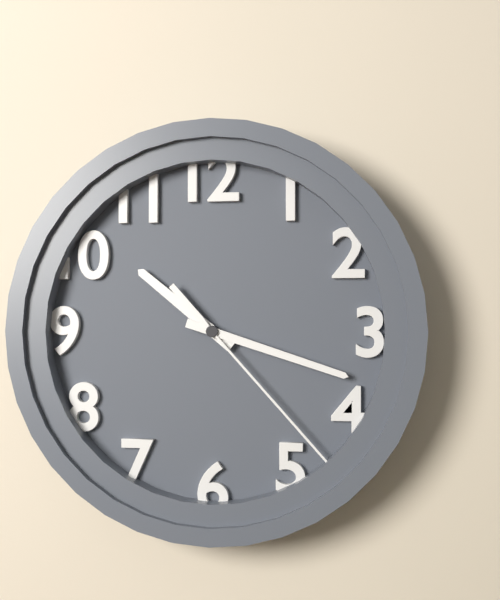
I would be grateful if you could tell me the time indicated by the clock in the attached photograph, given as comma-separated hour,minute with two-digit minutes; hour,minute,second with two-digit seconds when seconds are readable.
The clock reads 10,18,23
